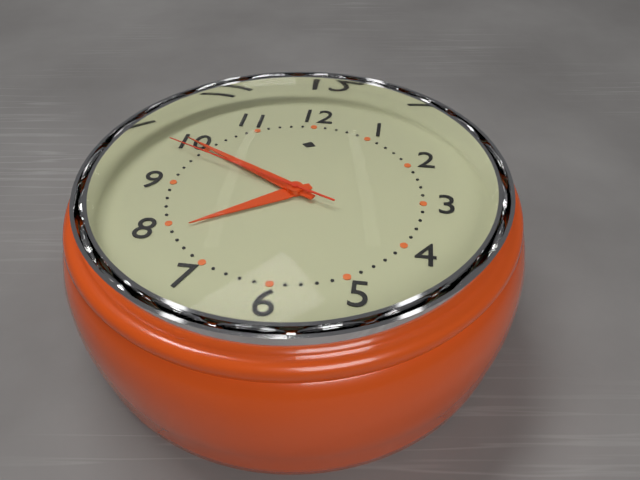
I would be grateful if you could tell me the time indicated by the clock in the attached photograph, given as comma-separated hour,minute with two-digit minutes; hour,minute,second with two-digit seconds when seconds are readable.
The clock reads 7,50,49
